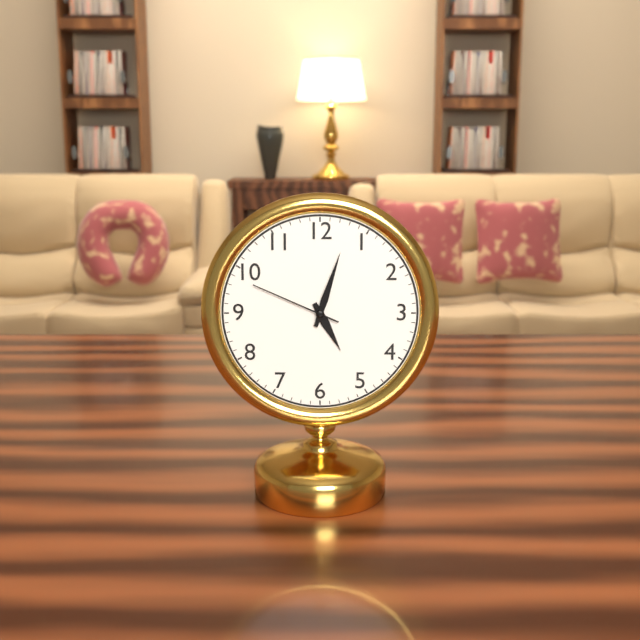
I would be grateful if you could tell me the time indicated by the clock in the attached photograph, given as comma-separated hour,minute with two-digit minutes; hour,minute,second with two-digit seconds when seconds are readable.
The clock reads 5,03,49
